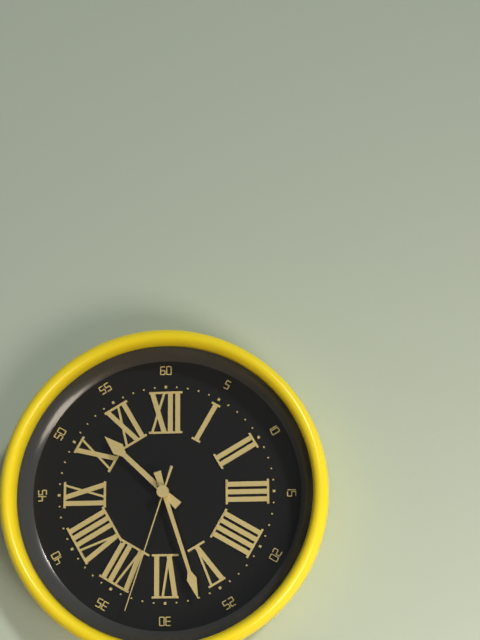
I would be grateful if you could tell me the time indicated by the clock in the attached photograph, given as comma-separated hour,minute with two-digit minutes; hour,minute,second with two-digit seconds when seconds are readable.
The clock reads 10,27,33
